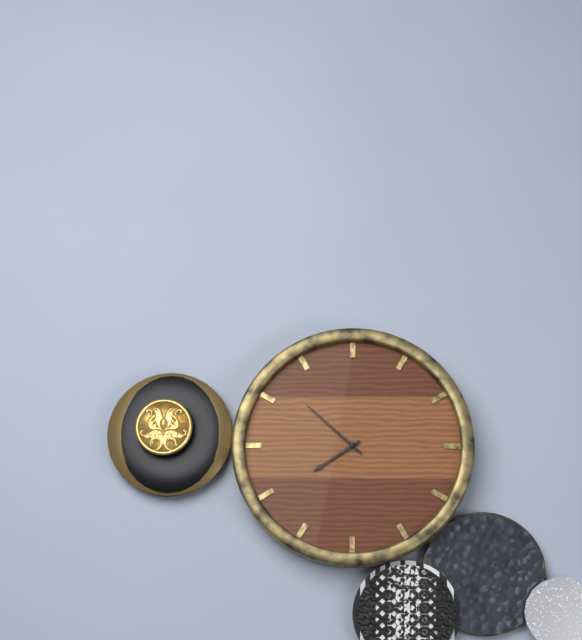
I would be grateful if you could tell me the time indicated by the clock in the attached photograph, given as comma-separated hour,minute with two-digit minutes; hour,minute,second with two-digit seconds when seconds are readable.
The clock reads 7,52
